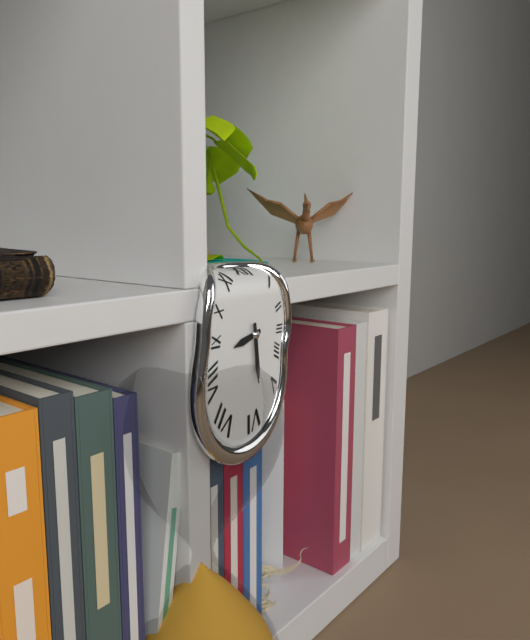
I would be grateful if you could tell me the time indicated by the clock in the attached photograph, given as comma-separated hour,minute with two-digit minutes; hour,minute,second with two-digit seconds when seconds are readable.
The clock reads 8,29
